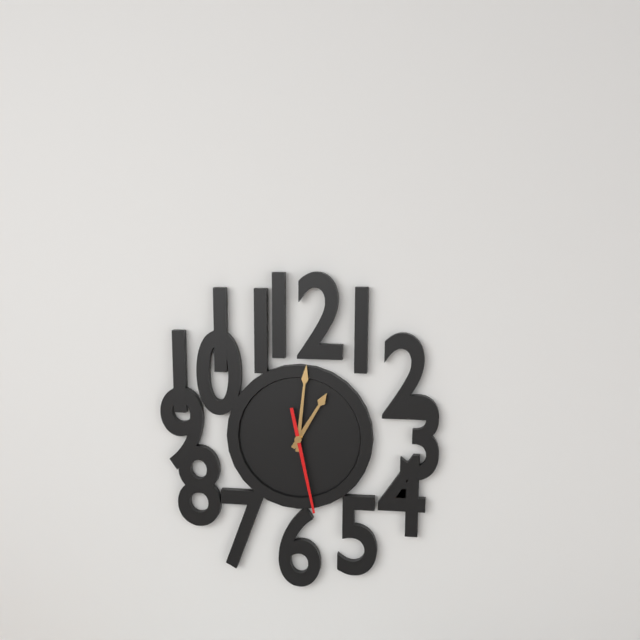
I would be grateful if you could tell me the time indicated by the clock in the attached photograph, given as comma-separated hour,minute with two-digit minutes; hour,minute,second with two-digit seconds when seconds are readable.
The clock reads 1,01,28
